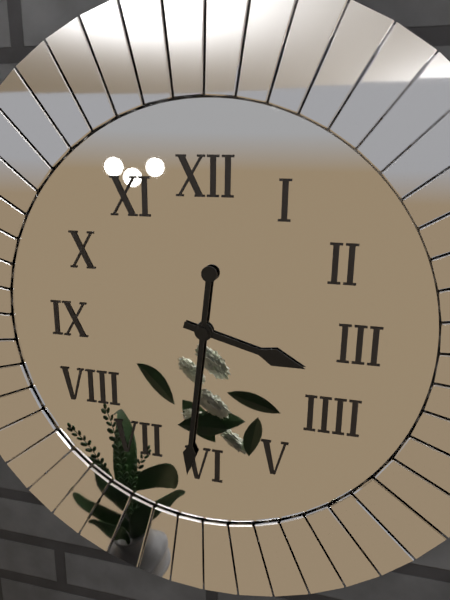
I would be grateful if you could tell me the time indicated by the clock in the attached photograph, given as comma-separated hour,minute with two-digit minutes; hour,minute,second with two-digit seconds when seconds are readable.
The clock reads 3,31
